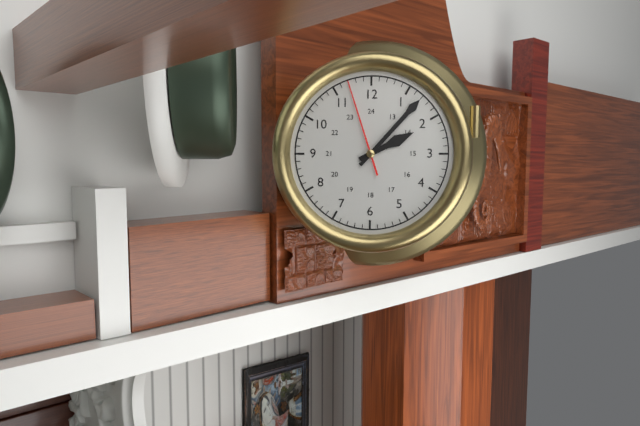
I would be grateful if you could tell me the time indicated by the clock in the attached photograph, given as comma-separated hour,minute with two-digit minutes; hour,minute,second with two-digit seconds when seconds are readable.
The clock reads 2,07,57
